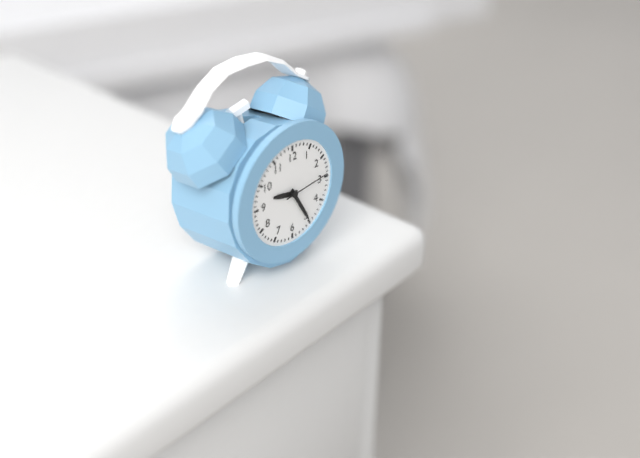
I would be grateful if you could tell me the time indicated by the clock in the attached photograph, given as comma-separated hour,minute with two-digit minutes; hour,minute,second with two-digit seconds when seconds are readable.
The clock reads 9,25,14
